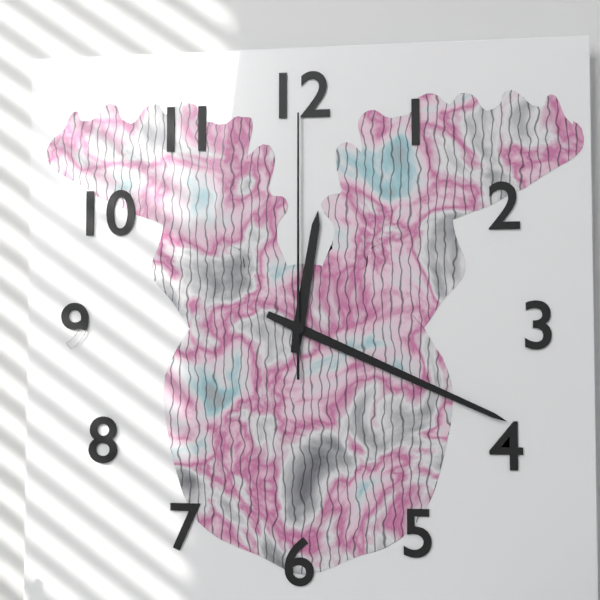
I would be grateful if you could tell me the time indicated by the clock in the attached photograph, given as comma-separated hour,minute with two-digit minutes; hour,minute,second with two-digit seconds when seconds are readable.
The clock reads 12,19,00
